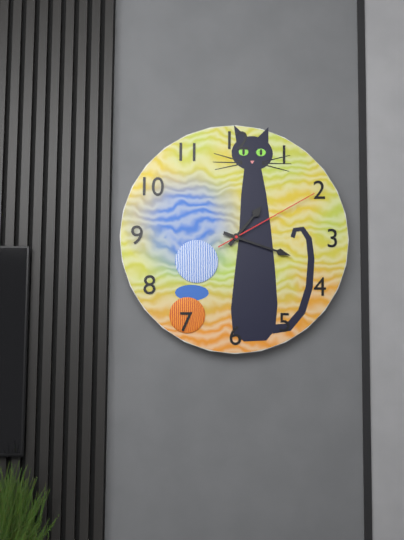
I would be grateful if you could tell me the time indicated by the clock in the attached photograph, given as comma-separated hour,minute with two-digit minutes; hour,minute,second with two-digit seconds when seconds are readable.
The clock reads 1,18,10
